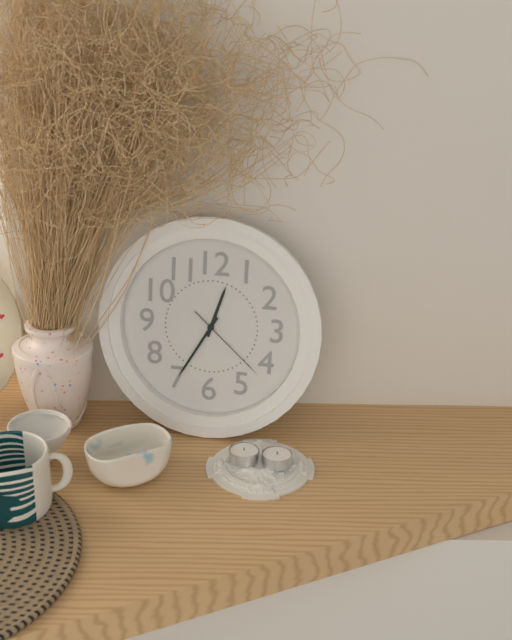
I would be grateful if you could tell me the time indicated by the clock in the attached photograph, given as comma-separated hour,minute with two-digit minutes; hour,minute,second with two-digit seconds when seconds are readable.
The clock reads 12,35,22
